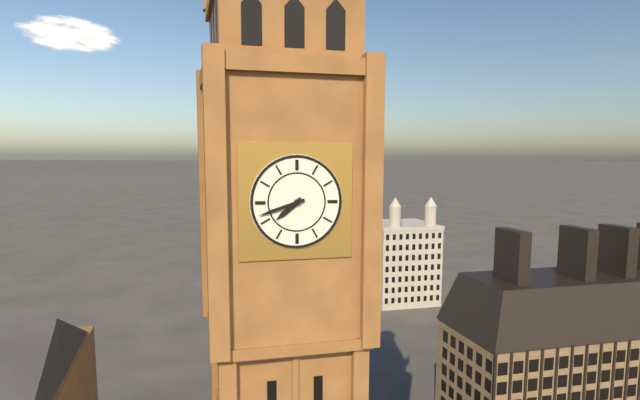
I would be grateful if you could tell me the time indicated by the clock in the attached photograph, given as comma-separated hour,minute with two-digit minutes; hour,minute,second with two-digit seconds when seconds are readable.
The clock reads 7,42
